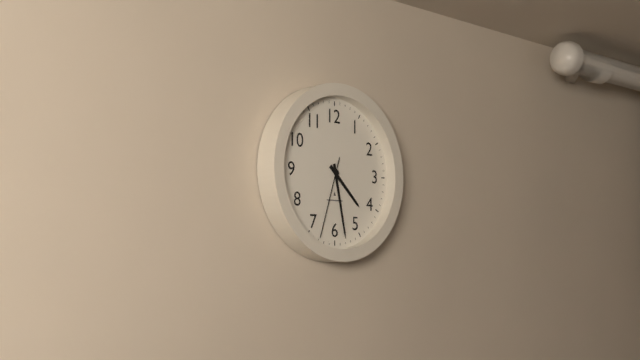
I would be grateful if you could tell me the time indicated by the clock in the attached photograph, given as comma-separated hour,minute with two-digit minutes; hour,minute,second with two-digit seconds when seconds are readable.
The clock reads 4,28,33
